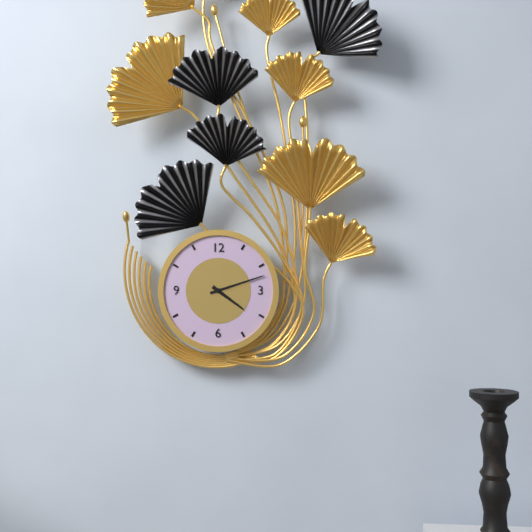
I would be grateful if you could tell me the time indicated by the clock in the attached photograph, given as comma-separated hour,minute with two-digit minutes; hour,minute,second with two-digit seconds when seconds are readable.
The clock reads 4,12
